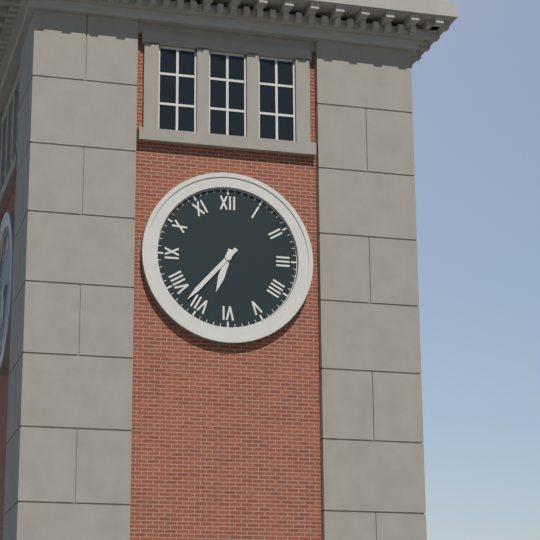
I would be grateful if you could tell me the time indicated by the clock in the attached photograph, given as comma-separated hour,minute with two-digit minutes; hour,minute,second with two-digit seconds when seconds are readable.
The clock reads 6,37
